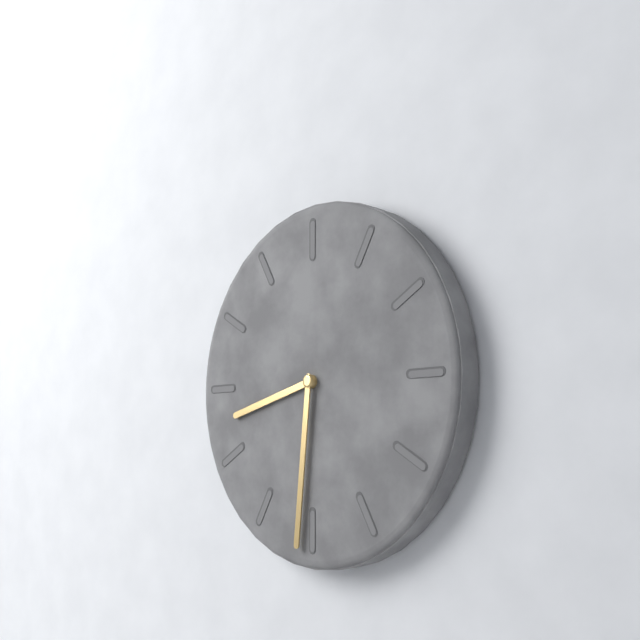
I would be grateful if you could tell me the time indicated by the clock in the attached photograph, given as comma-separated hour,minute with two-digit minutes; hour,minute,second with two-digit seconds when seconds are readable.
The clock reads 8,31
